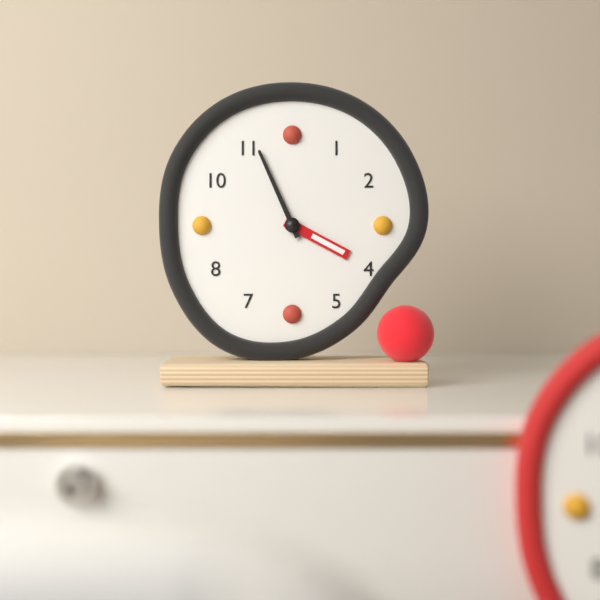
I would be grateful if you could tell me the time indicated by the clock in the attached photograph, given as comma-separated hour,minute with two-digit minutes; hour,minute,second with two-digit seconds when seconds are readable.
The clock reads 3,56
